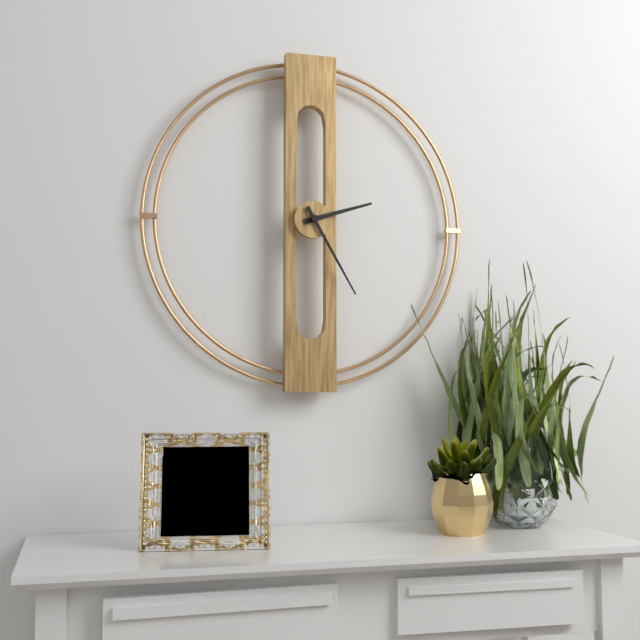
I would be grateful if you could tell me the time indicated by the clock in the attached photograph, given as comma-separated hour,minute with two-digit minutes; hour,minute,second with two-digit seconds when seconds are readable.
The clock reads 2,25
